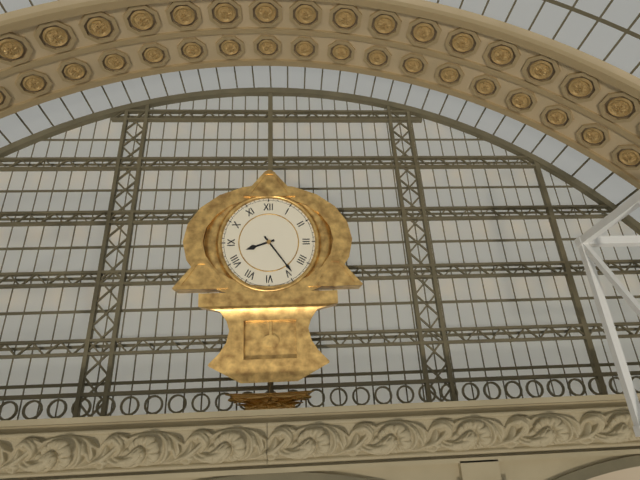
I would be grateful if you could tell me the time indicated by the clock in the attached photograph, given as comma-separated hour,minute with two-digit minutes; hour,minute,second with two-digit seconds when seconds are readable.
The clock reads 8,24
